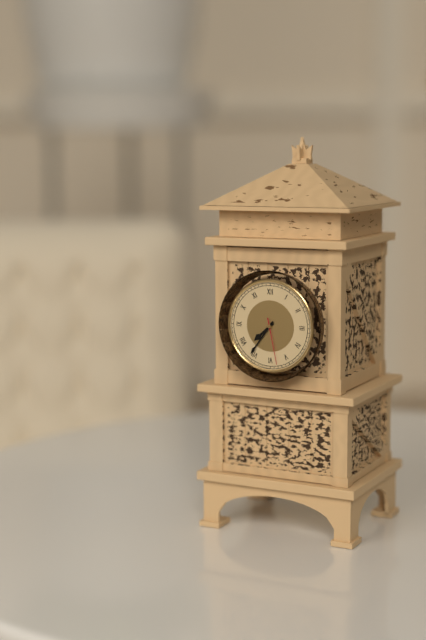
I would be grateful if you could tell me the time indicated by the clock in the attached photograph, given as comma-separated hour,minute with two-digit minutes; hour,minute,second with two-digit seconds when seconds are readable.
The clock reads 7,36
